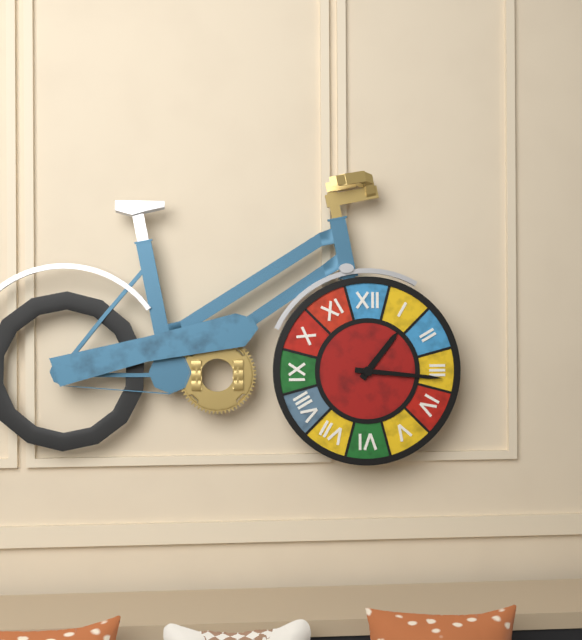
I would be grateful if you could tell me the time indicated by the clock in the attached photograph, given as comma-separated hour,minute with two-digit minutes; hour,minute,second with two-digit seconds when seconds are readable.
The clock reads 1,16
